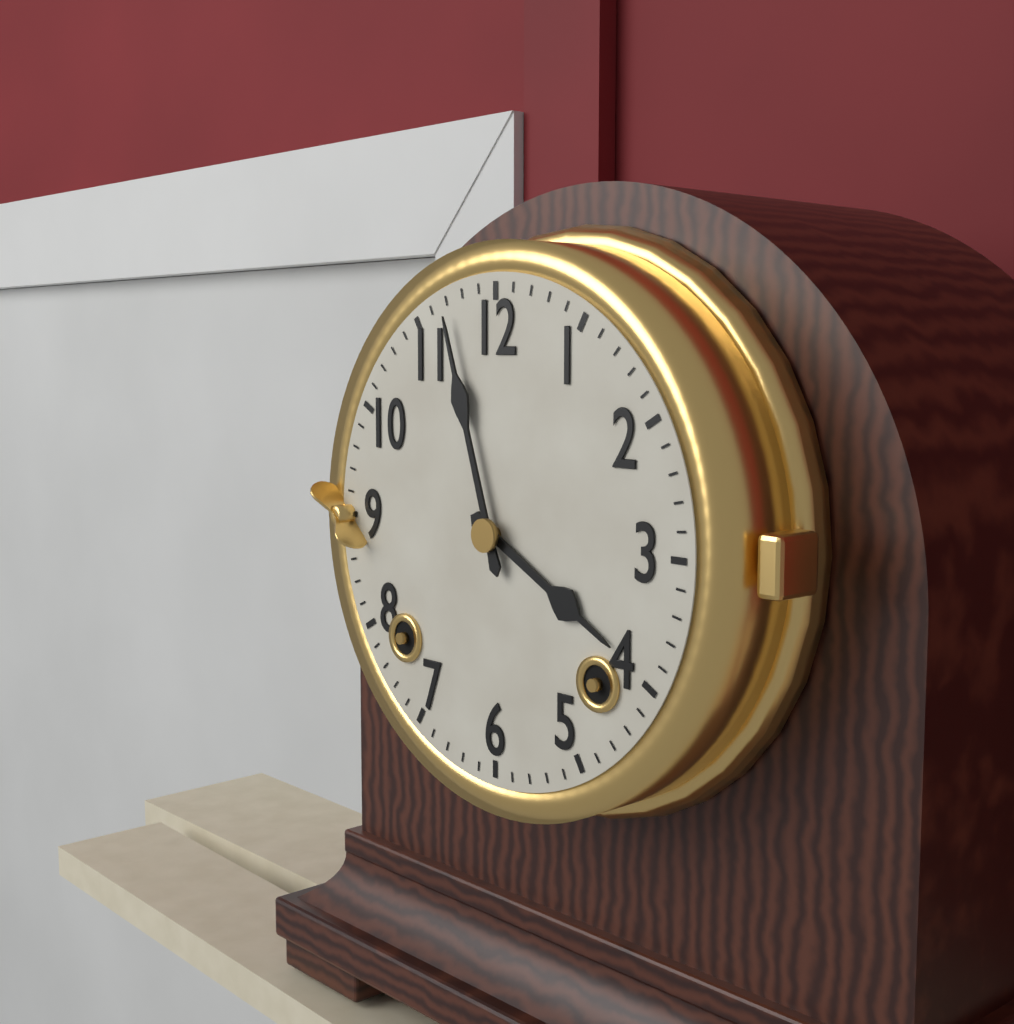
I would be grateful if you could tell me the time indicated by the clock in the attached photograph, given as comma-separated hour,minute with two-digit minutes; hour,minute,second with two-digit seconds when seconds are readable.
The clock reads 3,57
